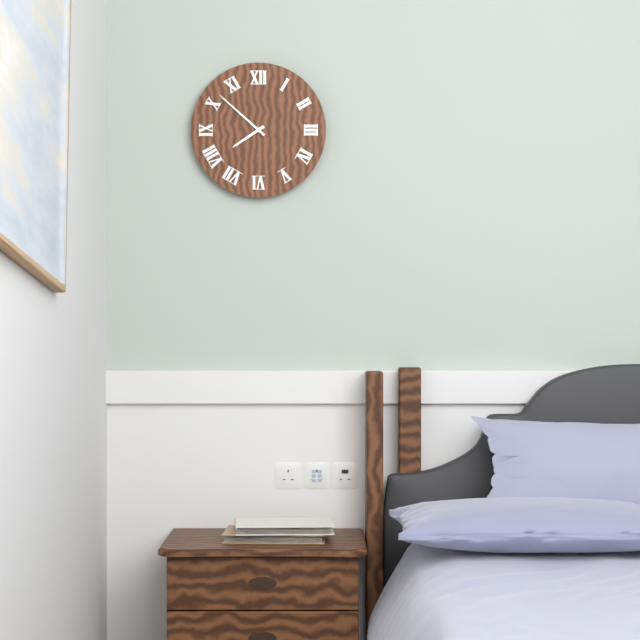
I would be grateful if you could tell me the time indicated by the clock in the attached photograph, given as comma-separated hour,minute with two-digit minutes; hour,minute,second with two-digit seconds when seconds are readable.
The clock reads 7,52
